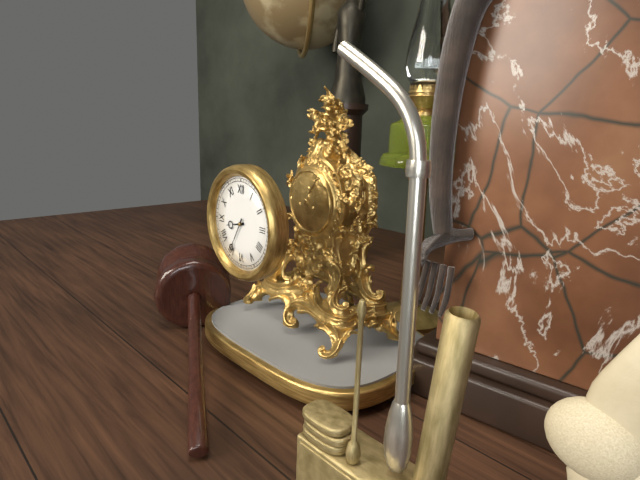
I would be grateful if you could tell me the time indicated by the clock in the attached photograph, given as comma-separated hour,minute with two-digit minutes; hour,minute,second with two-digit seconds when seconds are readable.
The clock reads 8,35
